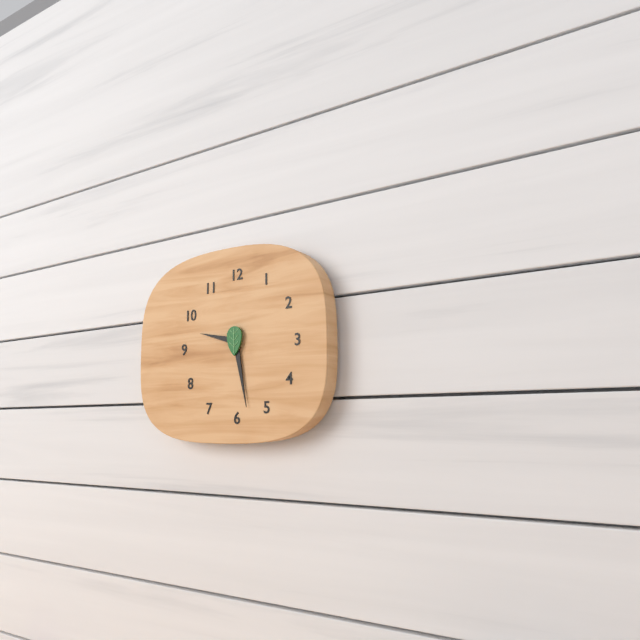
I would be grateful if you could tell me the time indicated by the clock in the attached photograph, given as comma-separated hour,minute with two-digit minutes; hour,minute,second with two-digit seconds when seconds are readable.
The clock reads 9,28
